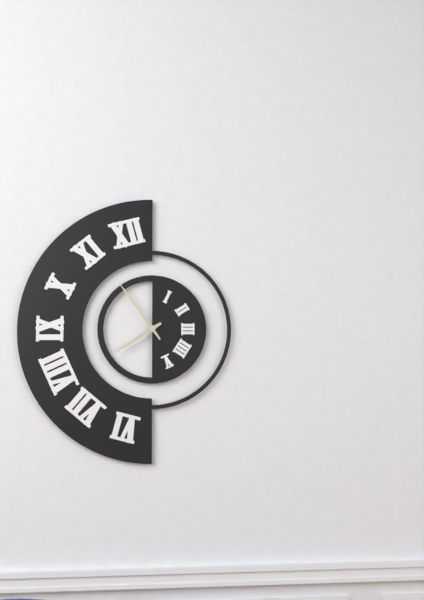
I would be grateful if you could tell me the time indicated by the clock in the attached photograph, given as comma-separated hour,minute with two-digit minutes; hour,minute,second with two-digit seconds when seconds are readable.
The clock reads 7,54
